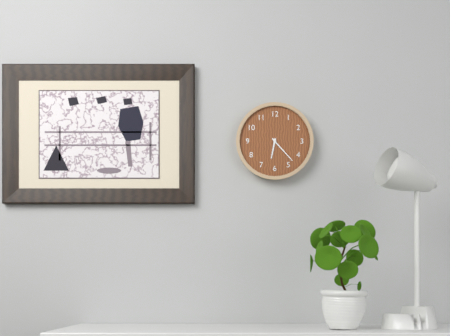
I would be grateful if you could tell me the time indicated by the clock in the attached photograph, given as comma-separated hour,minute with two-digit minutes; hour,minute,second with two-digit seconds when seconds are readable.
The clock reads 6,23
